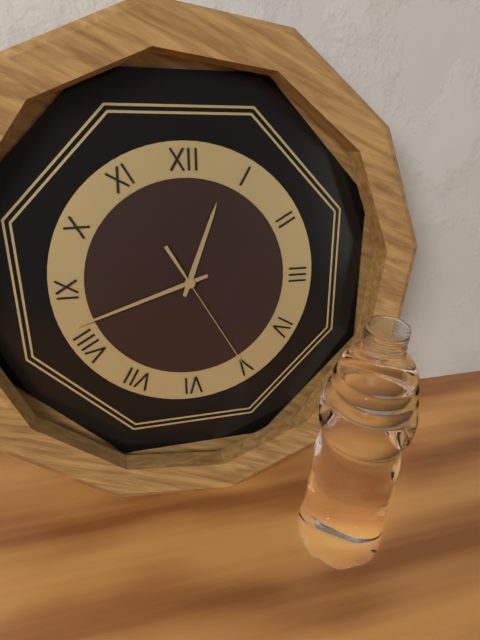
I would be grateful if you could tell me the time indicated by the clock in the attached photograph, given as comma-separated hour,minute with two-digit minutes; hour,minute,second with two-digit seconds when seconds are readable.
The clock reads 12,42,25
